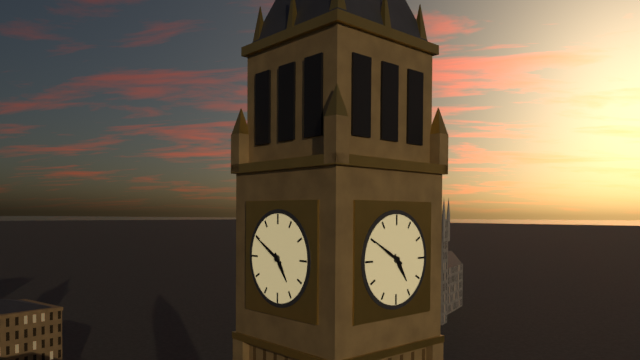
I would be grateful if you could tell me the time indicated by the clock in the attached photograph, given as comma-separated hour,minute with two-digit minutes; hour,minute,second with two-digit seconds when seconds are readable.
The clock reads 4,50
